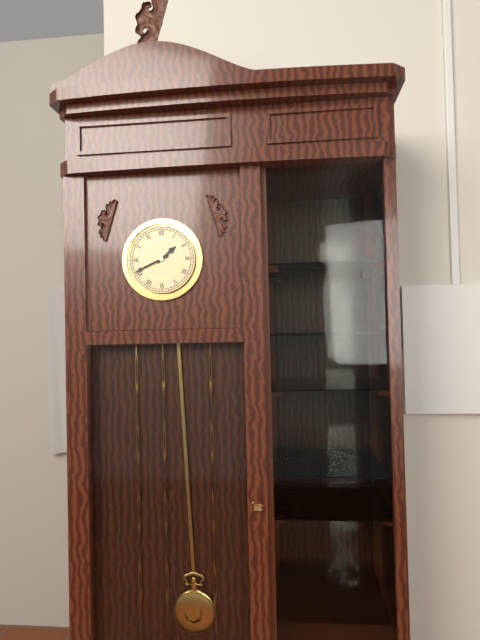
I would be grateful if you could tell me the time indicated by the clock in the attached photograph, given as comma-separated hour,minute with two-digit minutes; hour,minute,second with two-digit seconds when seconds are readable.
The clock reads 1,41
